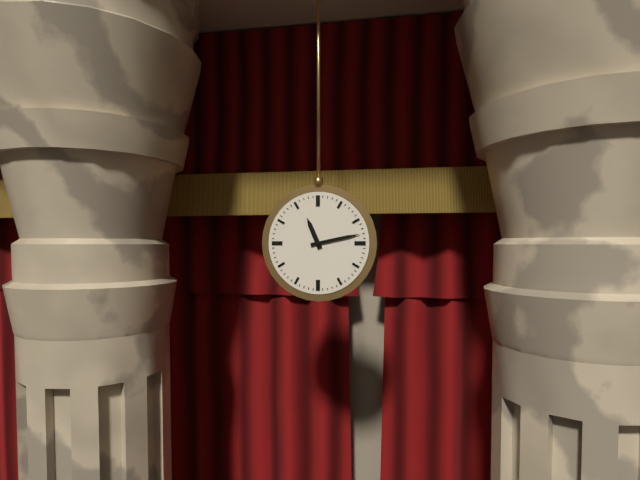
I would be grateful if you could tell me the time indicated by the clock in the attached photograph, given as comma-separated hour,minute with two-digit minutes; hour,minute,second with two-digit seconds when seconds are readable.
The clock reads 11,13
